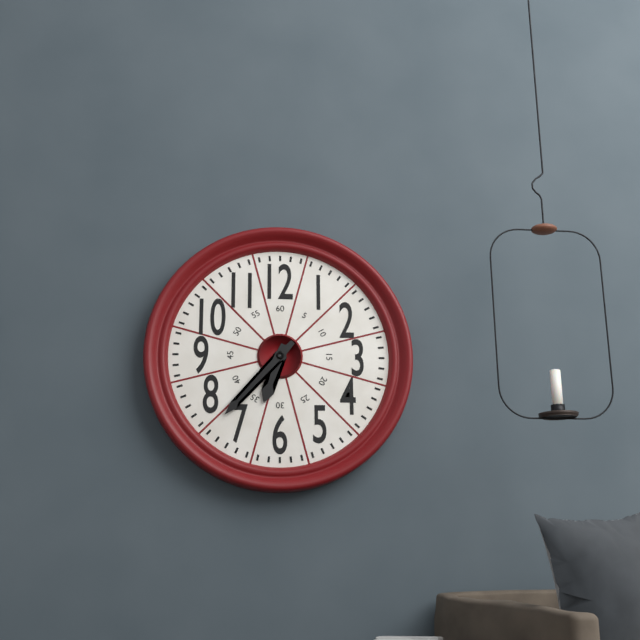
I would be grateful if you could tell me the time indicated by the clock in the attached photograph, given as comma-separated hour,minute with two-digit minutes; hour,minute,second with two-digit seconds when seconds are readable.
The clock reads 6,37
